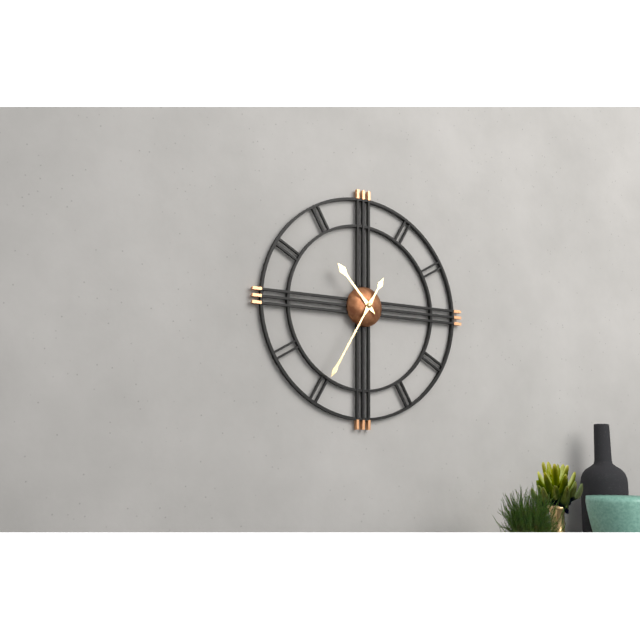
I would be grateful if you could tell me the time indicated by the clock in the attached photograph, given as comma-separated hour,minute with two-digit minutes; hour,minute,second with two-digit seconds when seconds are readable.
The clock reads 10,35
